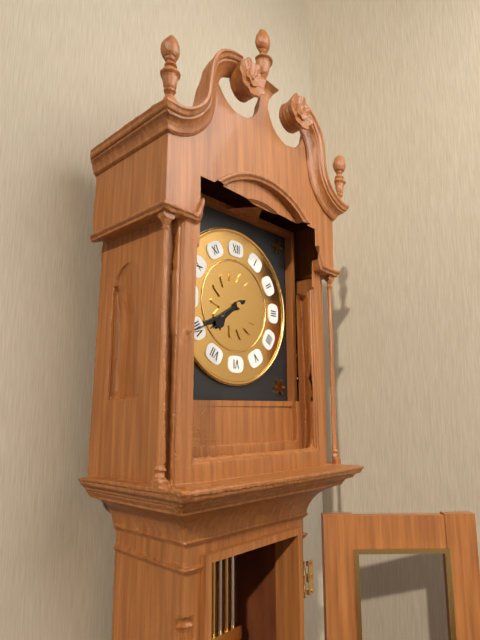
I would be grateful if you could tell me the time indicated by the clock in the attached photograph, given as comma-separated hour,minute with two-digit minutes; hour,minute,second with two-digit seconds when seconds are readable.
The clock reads 7,40
